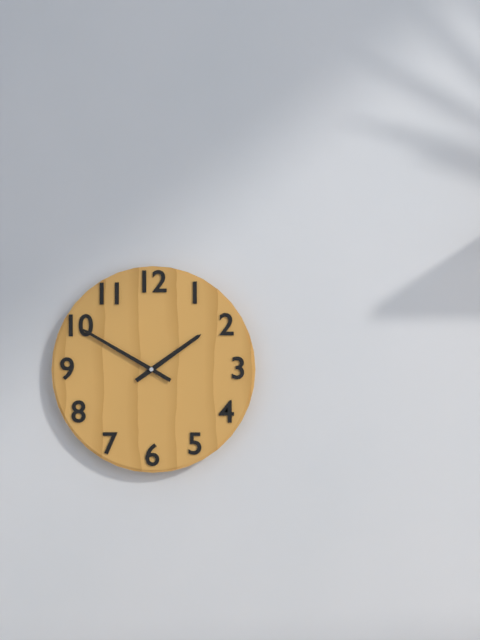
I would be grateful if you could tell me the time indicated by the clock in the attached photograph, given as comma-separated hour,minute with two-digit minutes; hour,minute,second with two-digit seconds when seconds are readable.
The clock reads 1,50
